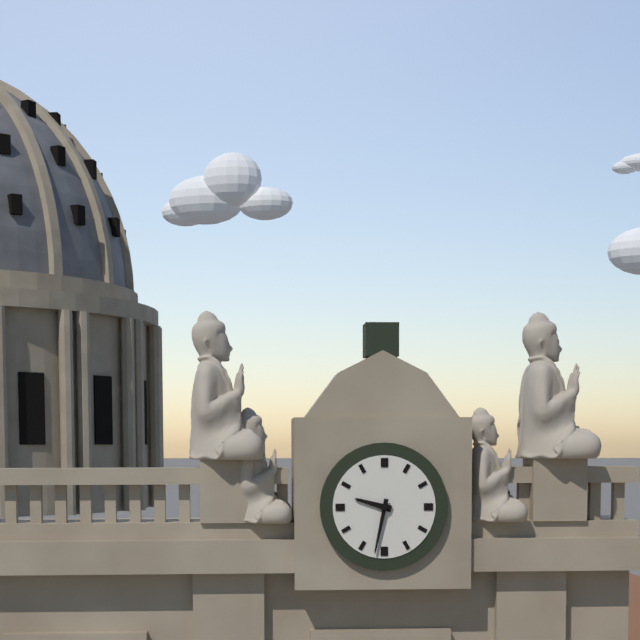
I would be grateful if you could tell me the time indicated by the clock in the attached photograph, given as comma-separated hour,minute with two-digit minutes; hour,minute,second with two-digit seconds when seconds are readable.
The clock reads 9,32
